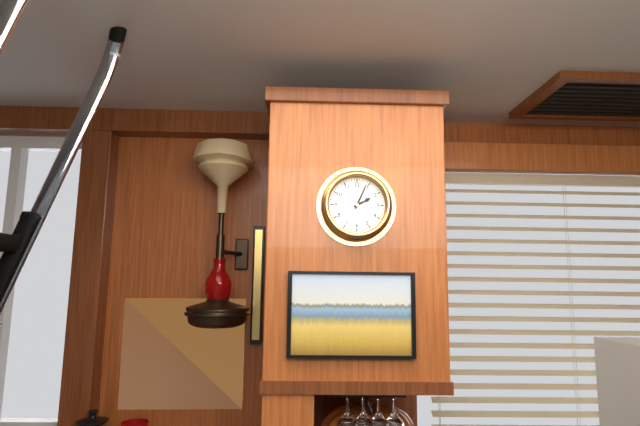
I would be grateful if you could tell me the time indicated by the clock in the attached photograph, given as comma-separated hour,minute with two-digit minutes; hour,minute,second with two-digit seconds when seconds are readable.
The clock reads 2,04
